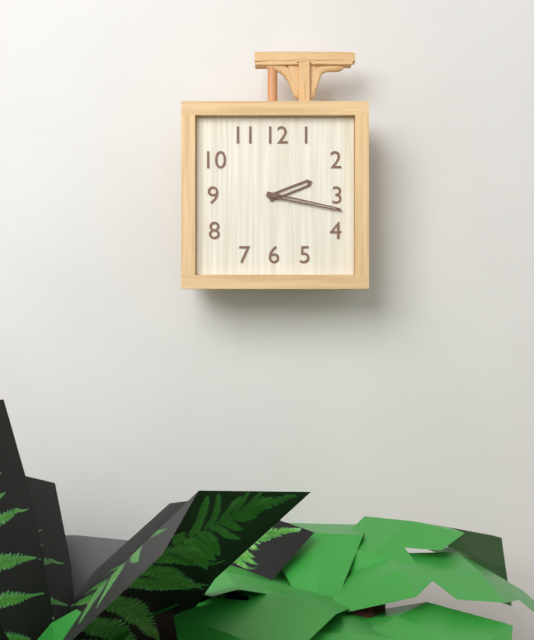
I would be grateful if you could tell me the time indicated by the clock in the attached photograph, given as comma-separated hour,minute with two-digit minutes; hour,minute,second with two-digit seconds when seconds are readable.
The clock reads 2,17
